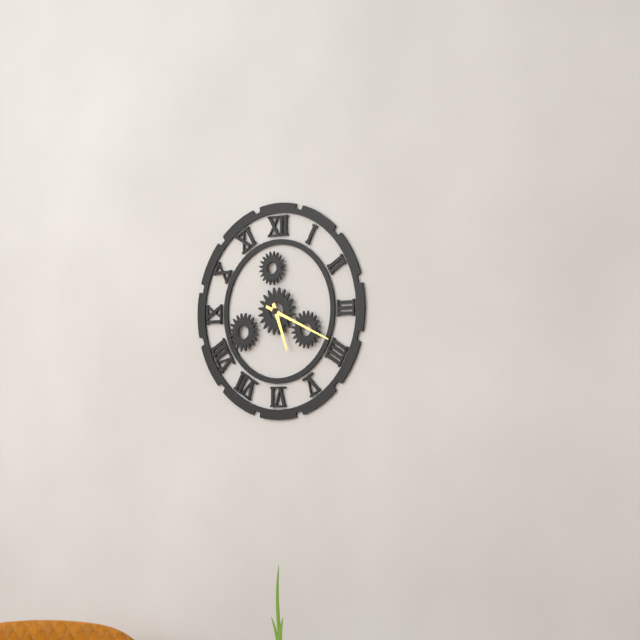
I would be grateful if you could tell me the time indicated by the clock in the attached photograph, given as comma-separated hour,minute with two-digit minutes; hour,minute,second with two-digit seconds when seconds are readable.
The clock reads 5,19
